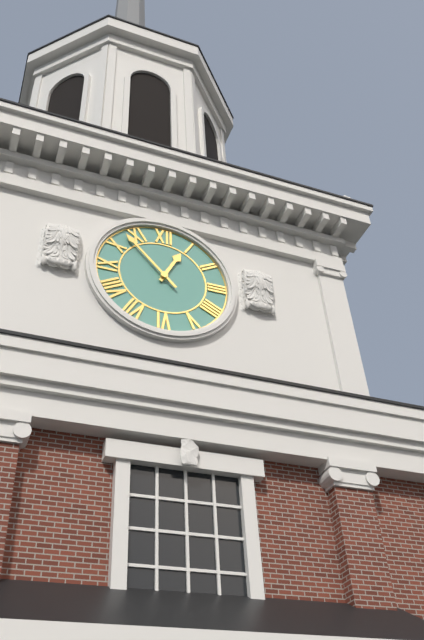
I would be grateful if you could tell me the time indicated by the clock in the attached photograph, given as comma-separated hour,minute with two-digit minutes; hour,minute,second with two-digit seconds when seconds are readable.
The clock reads 12,53
